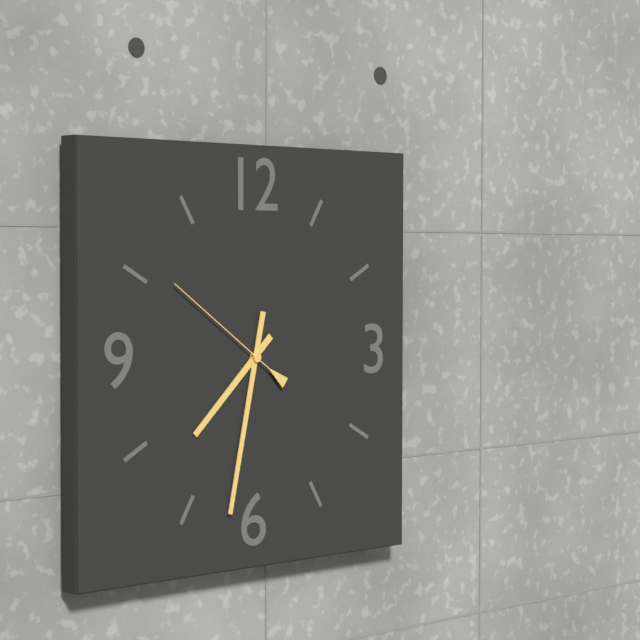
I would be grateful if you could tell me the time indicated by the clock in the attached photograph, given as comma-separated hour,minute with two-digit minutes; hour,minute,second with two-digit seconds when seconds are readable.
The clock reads 7,32,51
